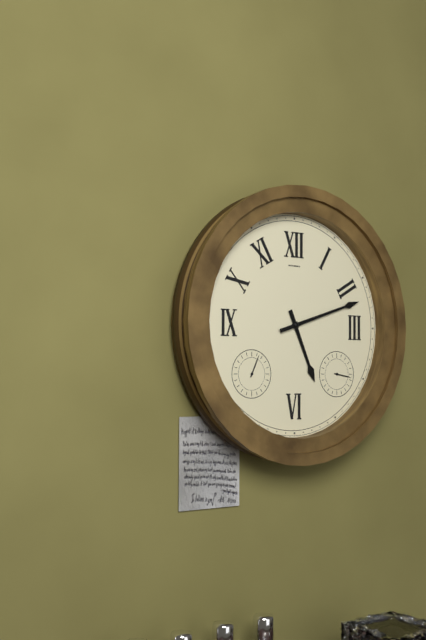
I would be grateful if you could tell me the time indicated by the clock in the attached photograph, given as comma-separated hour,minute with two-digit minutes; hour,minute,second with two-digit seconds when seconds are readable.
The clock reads 5,12
